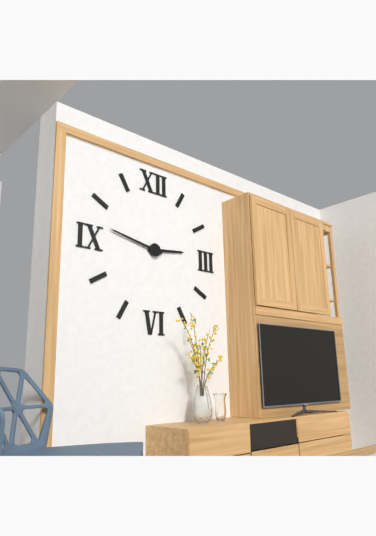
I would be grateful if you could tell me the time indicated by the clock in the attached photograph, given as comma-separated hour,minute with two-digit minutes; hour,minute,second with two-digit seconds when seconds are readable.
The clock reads 2,47
